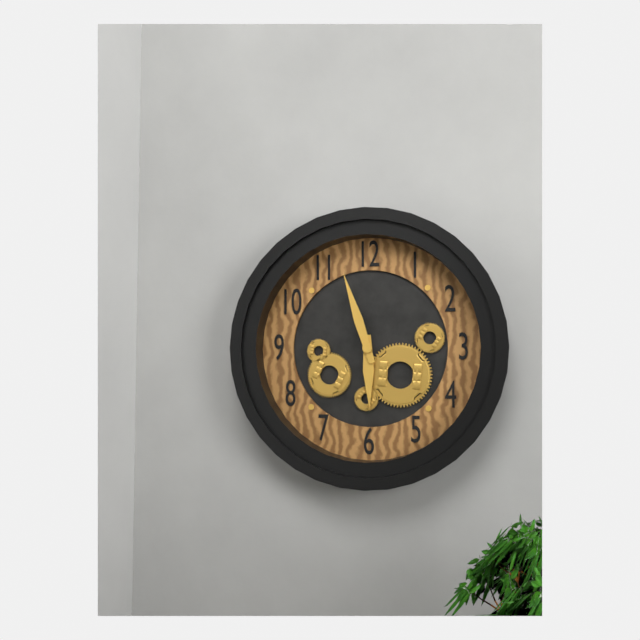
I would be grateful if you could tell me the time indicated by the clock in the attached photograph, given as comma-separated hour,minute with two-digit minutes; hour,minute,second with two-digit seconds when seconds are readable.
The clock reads 5,57
